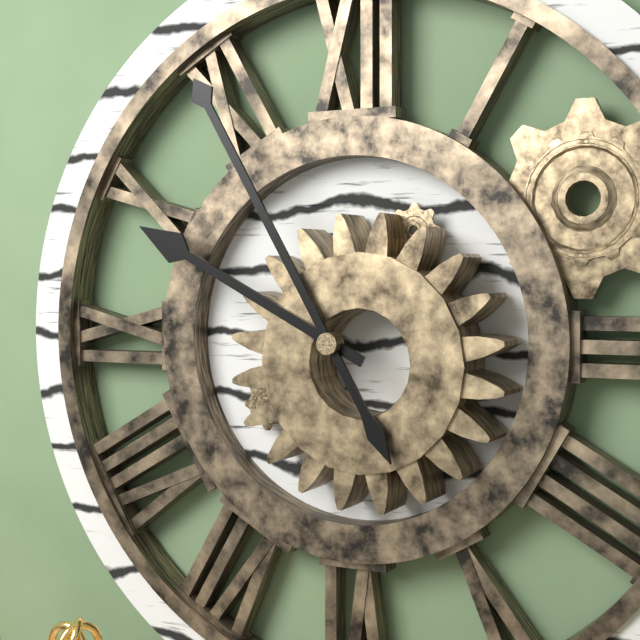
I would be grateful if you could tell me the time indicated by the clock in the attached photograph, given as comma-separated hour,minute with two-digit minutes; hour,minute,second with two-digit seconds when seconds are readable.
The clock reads 9,55
